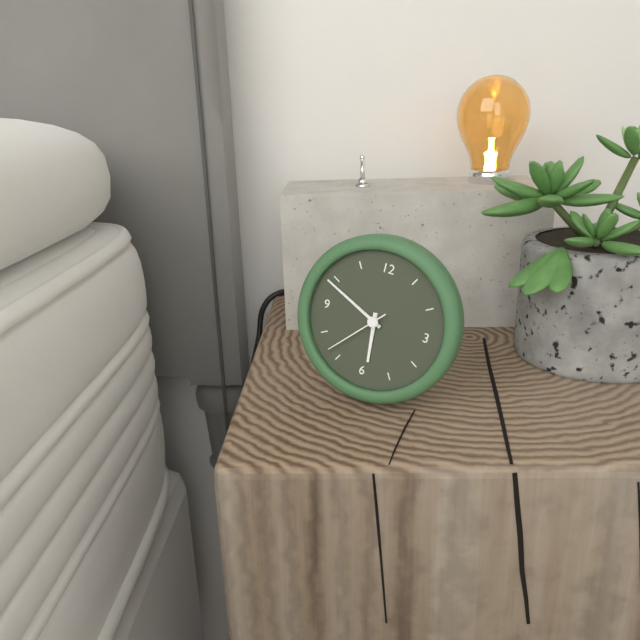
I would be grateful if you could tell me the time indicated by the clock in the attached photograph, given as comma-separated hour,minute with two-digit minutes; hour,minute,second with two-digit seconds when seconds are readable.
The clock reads 5,49,37
